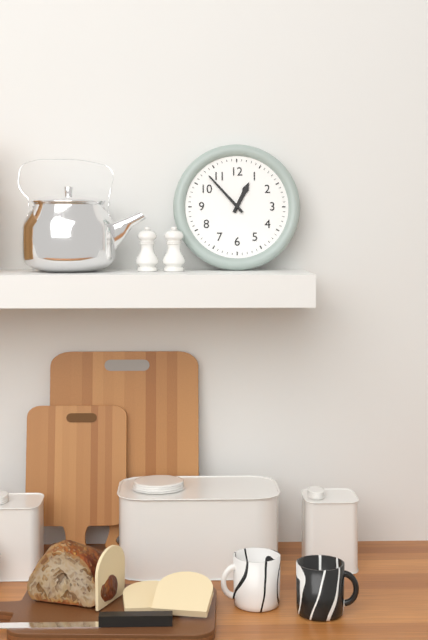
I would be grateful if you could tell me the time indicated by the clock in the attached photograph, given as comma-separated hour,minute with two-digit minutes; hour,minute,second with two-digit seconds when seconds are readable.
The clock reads 12,53
